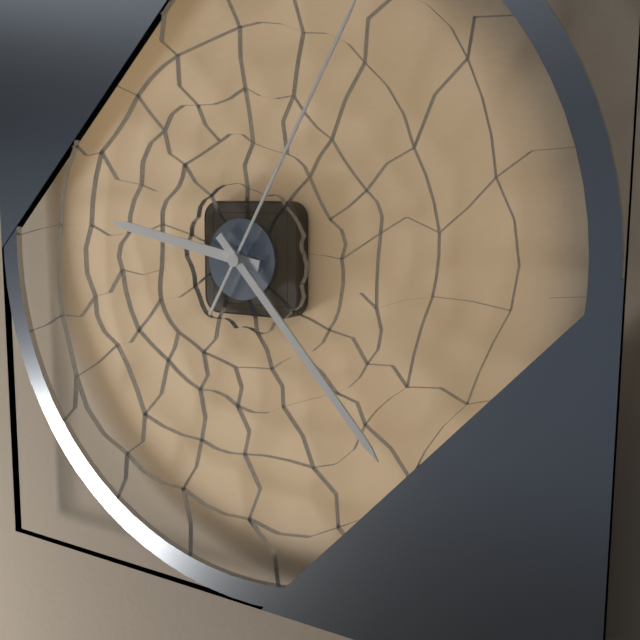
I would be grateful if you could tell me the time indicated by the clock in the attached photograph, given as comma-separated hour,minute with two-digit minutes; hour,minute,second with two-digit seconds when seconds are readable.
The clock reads 9,23
